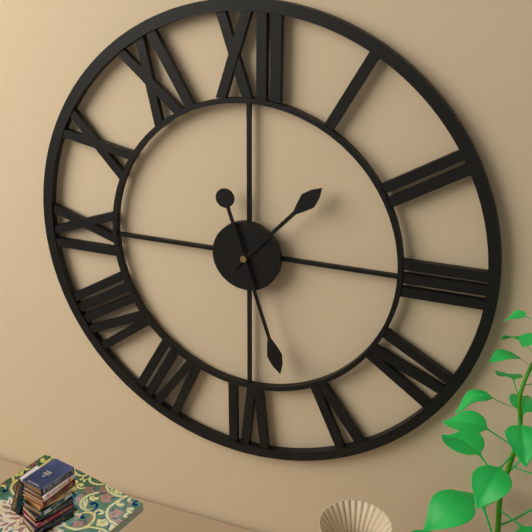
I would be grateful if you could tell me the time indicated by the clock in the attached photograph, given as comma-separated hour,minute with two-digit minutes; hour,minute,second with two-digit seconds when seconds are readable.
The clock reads 1,27
